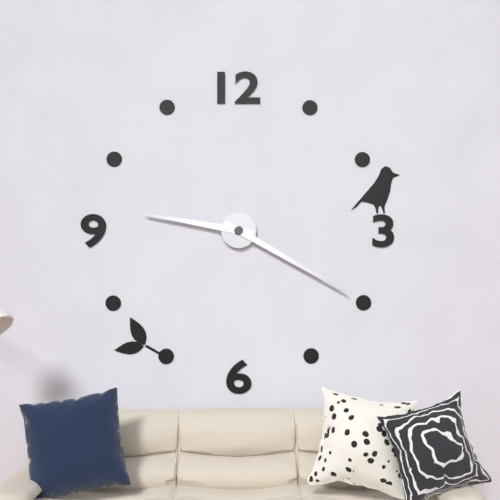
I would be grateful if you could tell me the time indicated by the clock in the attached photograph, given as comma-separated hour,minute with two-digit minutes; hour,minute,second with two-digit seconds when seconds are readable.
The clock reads 9,20
